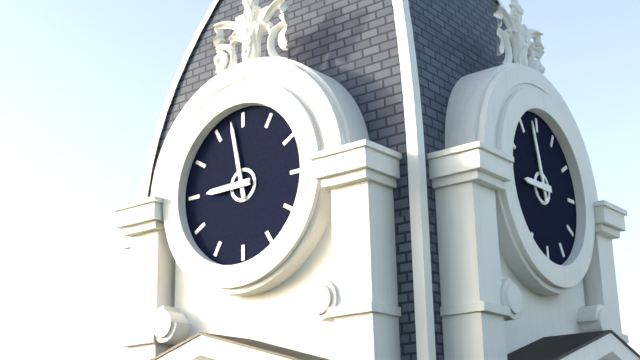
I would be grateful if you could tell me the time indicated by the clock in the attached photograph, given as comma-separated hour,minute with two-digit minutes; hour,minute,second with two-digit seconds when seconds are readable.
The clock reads 8,58
